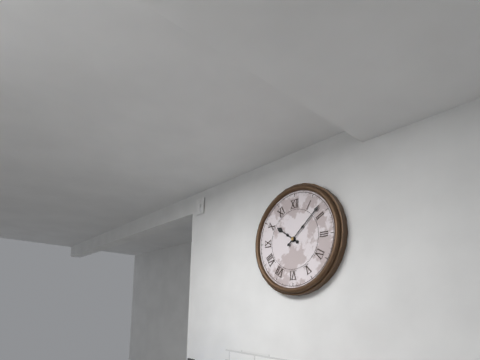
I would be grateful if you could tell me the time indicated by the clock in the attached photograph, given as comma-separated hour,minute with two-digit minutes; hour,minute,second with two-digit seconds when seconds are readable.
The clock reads 10,08
